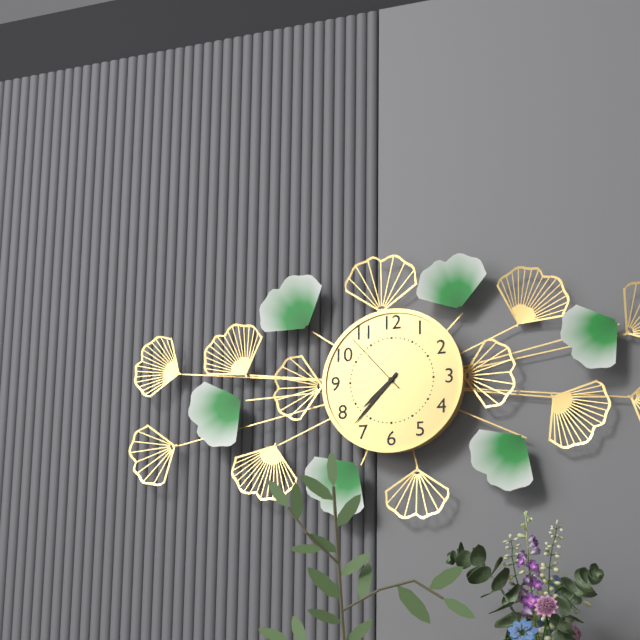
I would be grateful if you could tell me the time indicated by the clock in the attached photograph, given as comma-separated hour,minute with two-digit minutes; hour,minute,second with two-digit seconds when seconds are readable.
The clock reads 7,37,53
